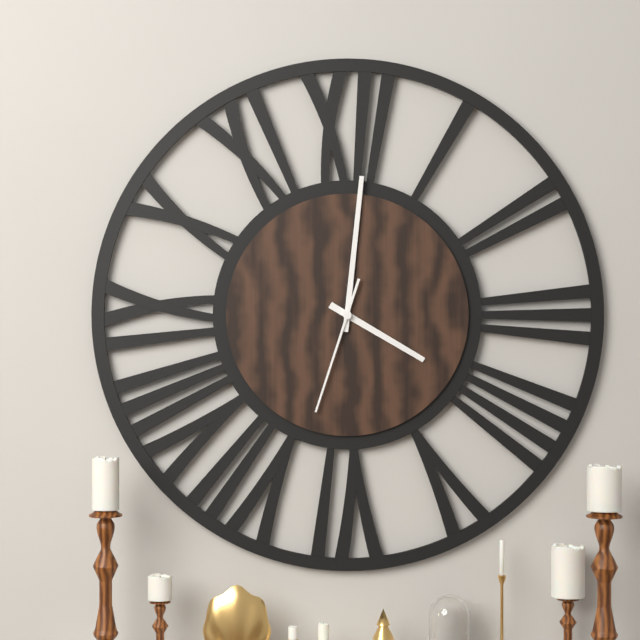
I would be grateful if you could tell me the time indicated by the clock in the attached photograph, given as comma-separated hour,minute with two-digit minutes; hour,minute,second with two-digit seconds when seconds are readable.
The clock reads 4,01,33
